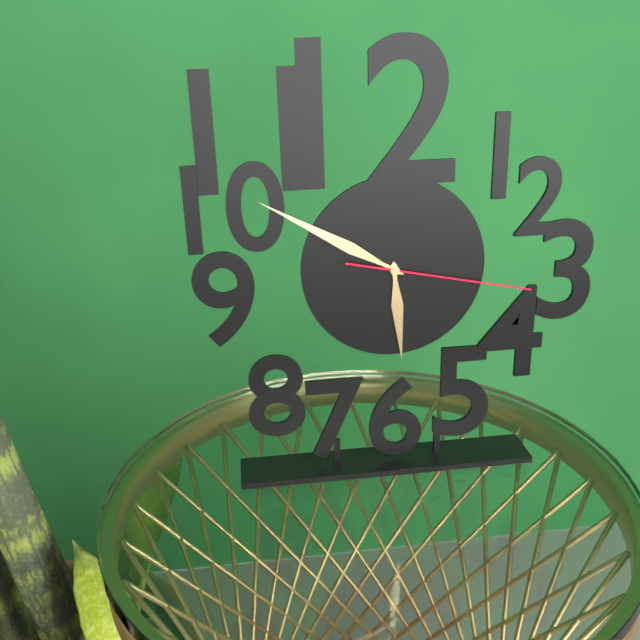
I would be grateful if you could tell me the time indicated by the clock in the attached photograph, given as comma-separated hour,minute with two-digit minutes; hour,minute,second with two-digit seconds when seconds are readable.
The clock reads 5,50,17
